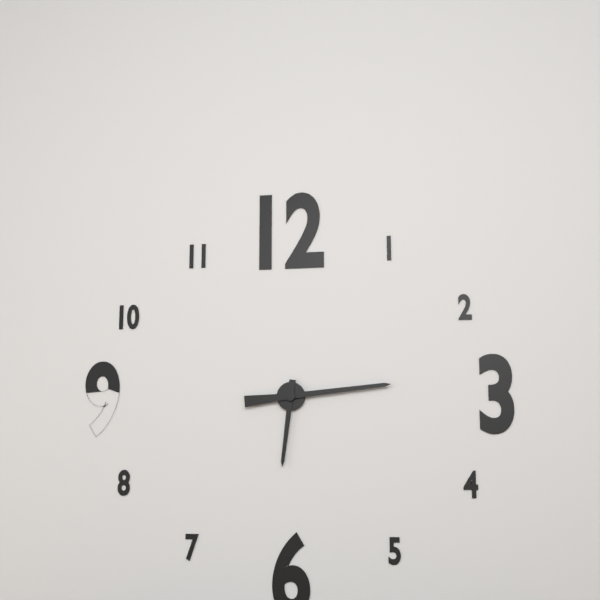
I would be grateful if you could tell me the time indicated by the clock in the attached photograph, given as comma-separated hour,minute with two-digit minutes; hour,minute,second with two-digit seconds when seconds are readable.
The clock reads 6,14
